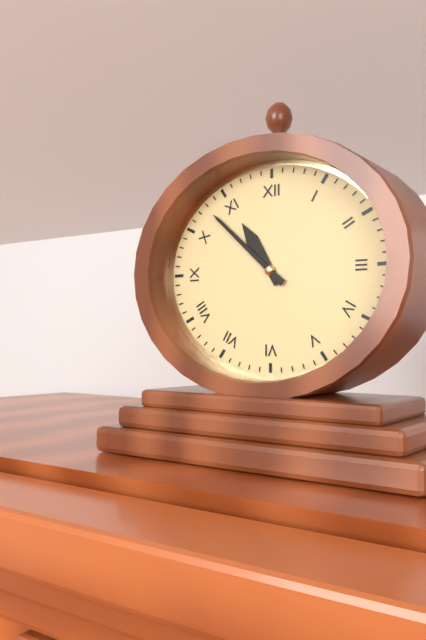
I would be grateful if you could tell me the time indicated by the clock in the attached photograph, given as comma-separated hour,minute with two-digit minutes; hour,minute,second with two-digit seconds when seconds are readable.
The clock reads 10,52
